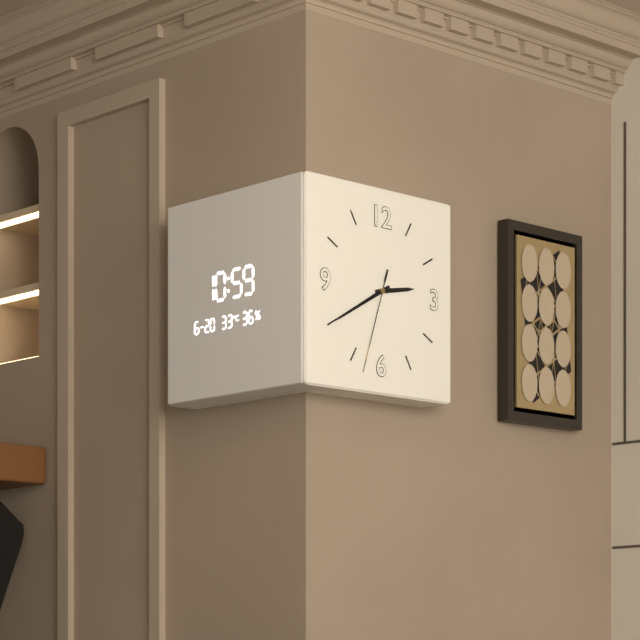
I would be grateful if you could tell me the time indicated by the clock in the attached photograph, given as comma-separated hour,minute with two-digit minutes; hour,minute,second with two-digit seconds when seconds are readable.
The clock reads 2,40,33
